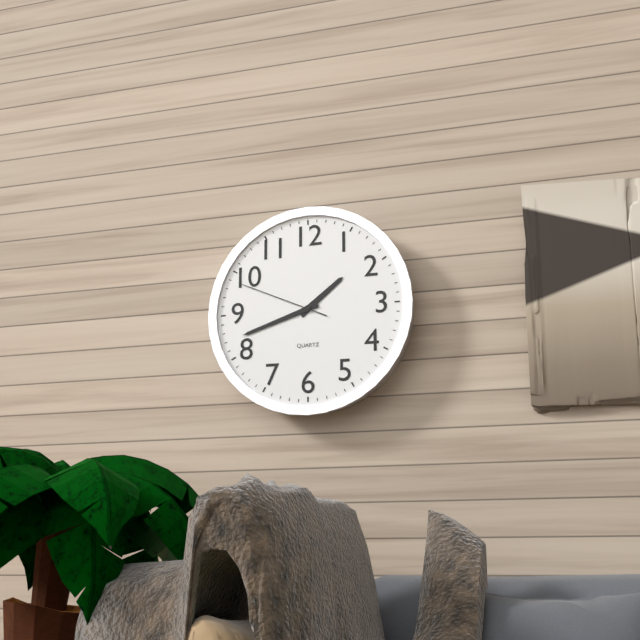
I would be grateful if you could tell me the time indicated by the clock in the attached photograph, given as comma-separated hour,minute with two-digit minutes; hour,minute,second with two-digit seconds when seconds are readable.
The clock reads 1,42,49
